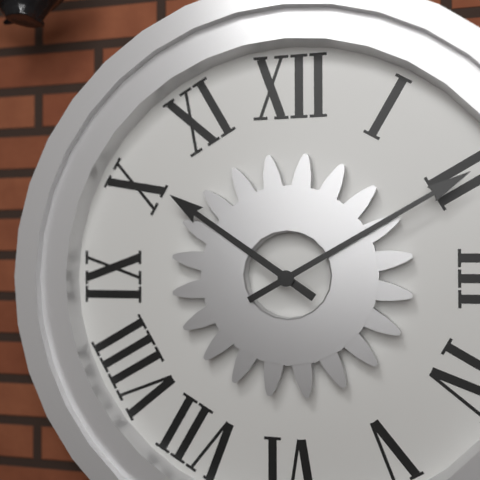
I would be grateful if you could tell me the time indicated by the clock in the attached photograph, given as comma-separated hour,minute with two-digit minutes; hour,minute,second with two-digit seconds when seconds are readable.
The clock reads 10,10
